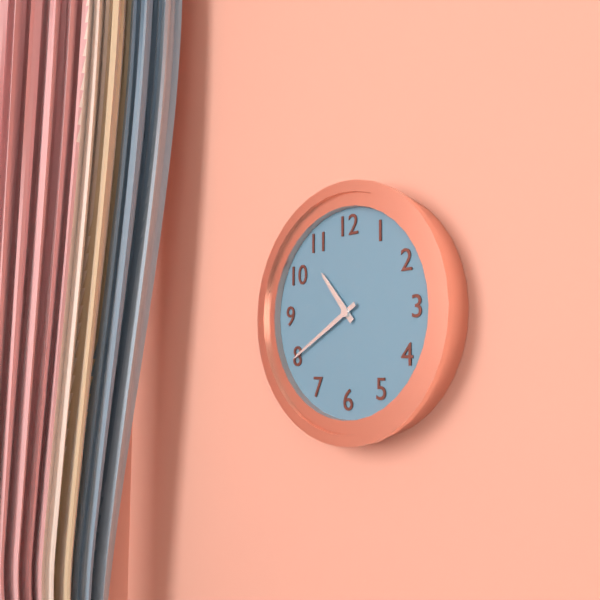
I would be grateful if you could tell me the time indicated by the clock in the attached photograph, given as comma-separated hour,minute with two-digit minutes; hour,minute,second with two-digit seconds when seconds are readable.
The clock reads 10,40
